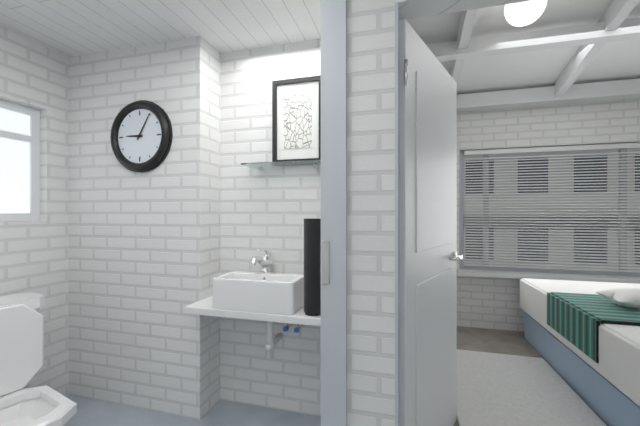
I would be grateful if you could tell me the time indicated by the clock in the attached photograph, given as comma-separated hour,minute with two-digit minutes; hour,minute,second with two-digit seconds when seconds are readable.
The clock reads 9,05
